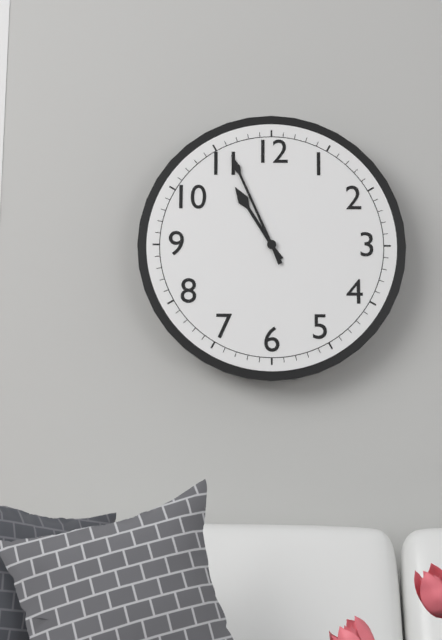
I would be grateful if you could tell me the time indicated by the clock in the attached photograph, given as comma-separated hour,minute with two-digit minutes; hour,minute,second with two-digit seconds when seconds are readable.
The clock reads 10,56
